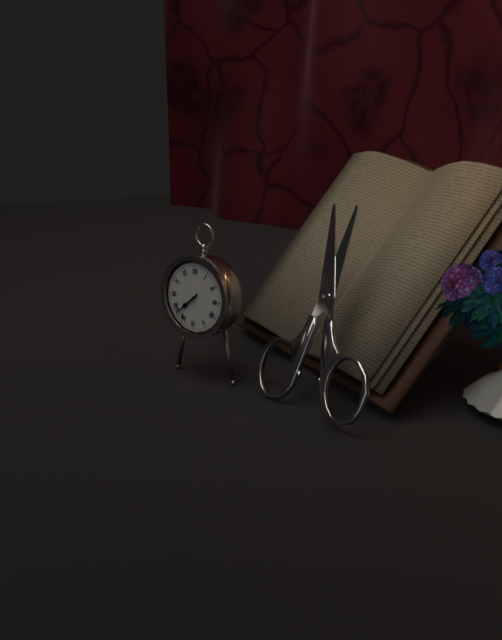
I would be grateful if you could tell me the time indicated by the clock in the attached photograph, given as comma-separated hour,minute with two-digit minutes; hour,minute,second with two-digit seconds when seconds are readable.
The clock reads 7,38
